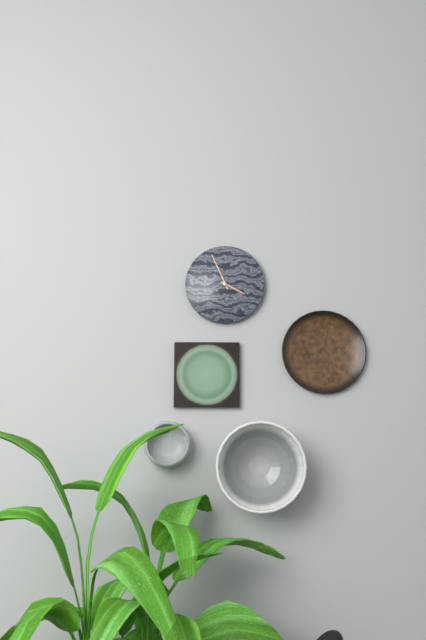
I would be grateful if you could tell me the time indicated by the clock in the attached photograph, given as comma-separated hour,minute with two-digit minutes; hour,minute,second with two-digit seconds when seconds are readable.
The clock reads 3,56
